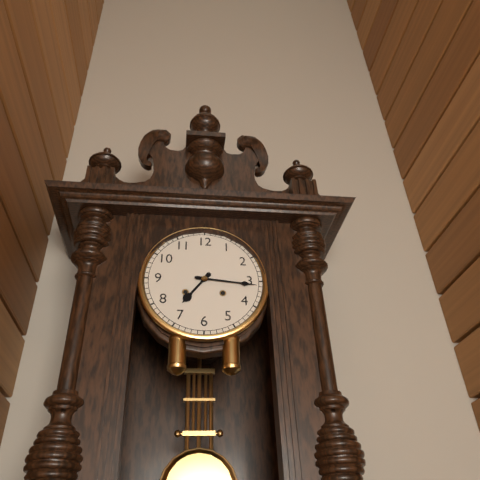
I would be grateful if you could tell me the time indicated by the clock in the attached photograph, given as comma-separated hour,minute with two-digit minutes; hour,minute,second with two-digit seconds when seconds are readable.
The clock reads 7,16
